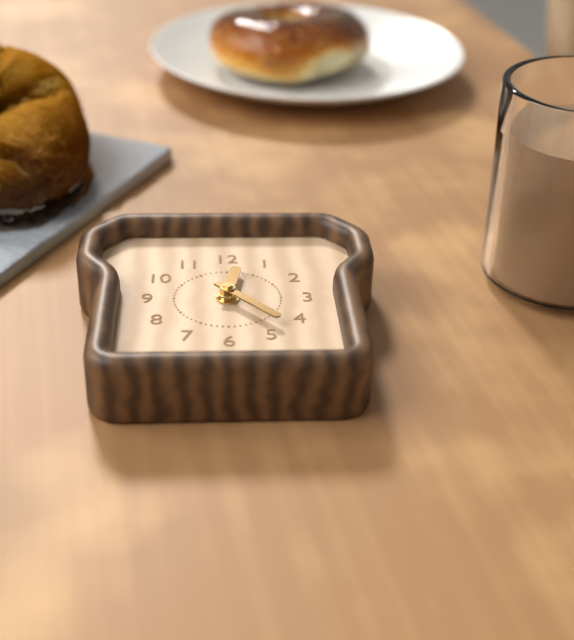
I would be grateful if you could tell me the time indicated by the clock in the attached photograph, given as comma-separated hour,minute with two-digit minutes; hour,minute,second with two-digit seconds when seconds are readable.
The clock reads 12,23
